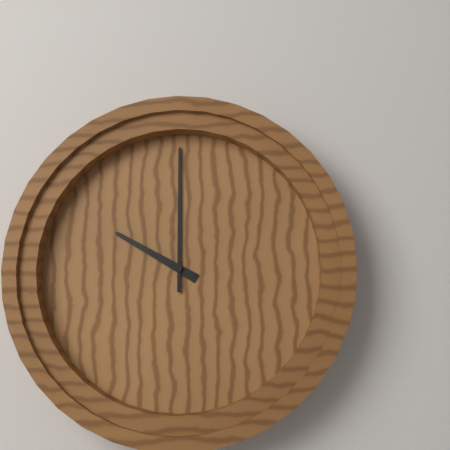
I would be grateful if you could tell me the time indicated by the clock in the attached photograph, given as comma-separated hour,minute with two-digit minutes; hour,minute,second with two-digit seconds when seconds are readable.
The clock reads 10,00
